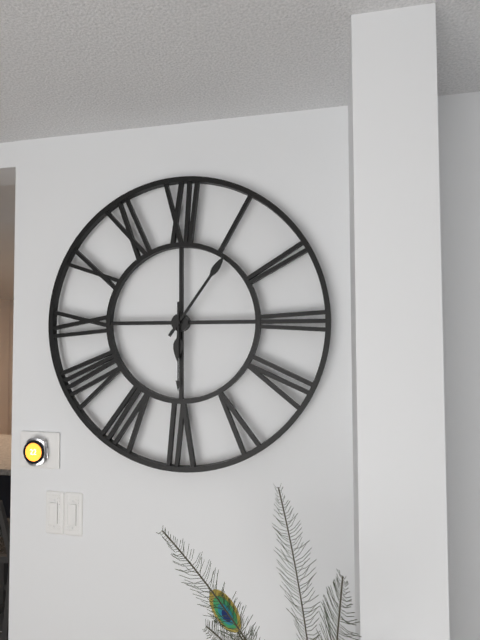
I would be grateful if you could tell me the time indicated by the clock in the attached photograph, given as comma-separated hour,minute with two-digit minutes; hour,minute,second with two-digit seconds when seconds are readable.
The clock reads 6,06,30
